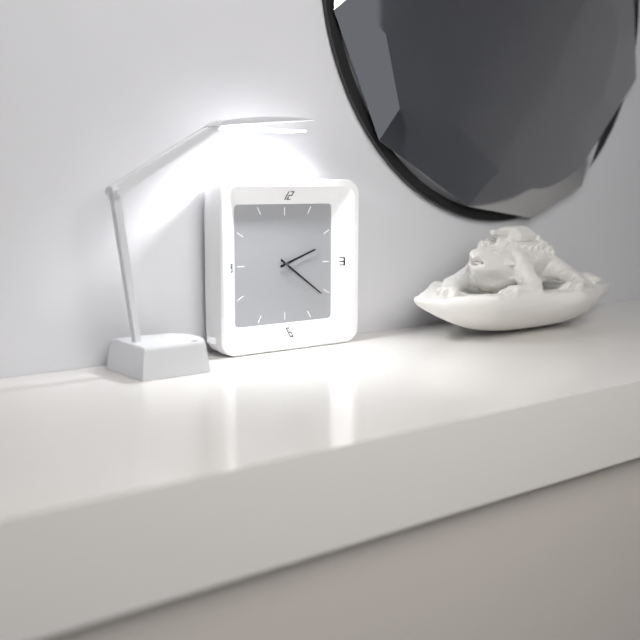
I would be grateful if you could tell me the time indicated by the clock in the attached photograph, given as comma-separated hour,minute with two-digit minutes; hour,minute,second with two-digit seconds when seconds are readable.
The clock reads 2,21
